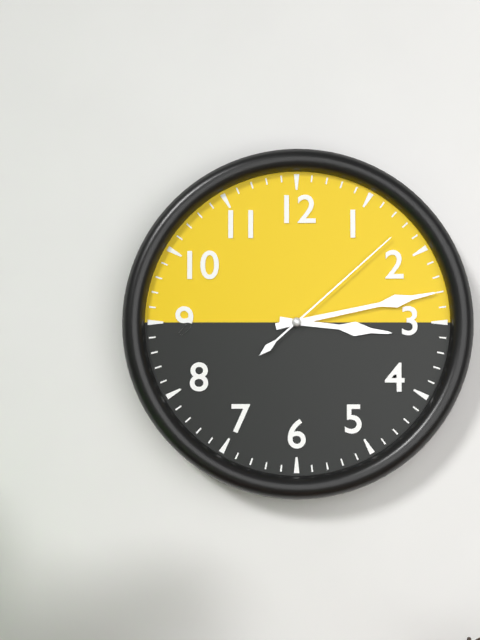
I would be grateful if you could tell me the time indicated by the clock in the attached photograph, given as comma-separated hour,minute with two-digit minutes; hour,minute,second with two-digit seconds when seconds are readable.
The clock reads 3,13,08
